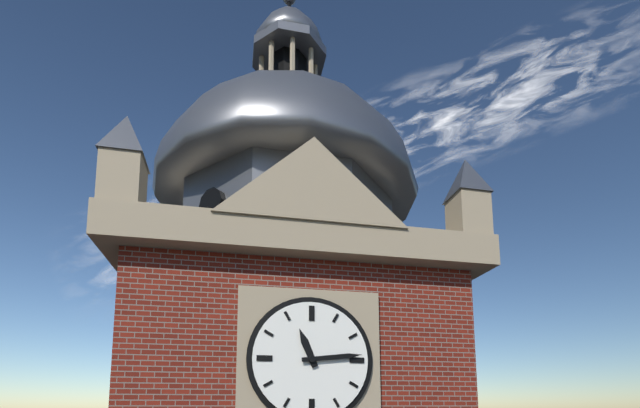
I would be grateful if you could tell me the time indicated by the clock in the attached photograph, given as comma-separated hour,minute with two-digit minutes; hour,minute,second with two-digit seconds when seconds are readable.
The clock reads 11,14
